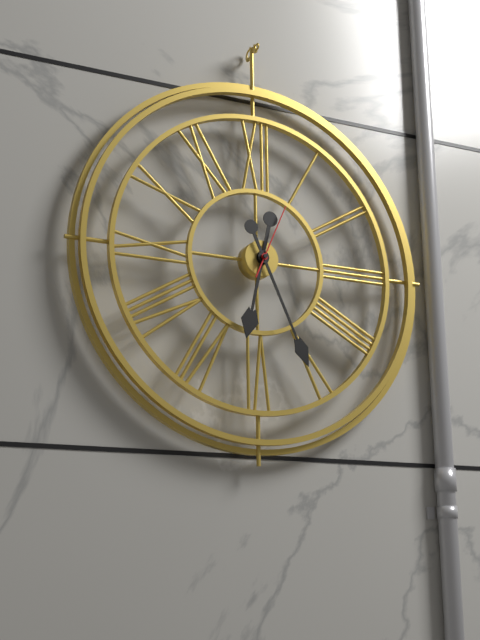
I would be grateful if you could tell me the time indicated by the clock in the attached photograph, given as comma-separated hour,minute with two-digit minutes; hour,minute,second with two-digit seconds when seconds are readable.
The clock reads 6,26,04
